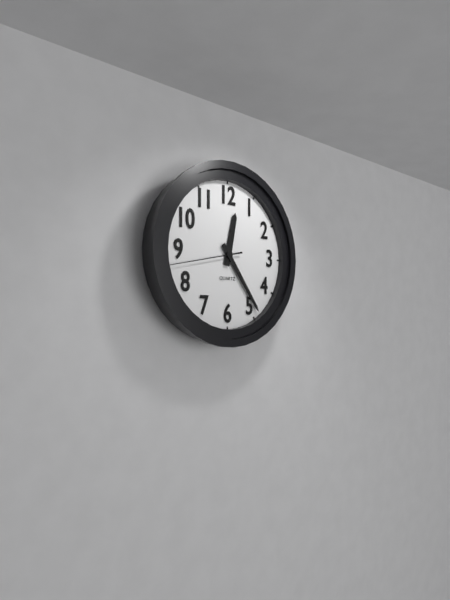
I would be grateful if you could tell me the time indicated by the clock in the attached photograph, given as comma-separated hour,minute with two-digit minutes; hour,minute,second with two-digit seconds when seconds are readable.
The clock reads 12,24,43
